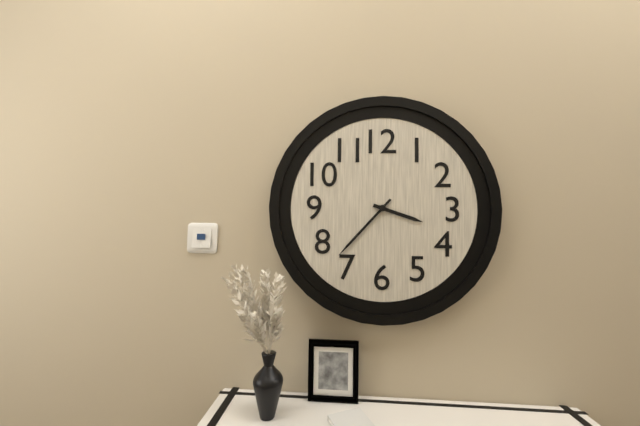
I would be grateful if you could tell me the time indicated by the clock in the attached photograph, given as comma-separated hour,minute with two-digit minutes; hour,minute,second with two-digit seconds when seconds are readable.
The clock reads 3,37
